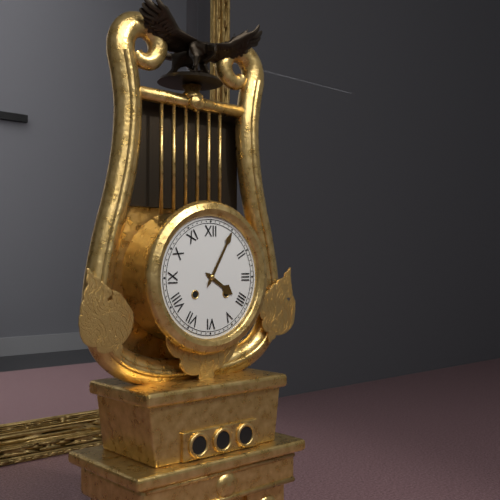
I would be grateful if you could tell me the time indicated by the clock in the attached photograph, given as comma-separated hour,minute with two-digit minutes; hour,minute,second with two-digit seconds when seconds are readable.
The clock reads 4,05
